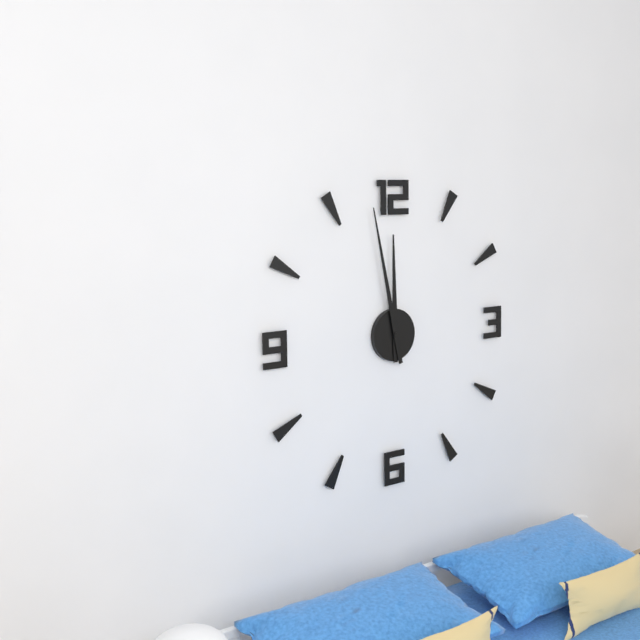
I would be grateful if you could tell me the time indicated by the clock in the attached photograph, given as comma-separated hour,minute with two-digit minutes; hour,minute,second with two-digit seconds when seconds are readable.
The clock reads 11,58
